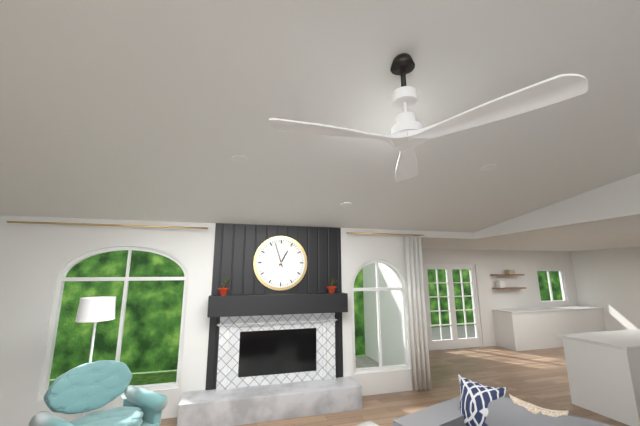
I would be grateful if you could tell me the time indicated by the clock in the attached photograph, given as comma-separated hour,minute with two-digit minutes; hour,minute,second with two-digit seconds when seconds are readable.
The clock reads 12,57
